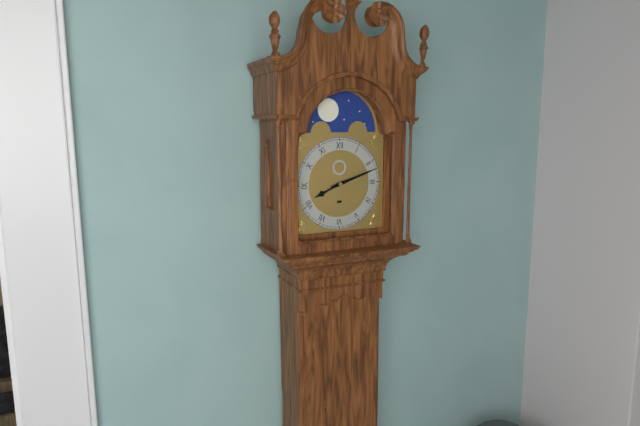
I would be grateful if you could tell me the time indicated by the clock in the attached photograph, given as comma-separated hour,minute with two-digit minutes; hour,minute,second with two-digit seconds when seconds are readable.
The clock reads 8,12
